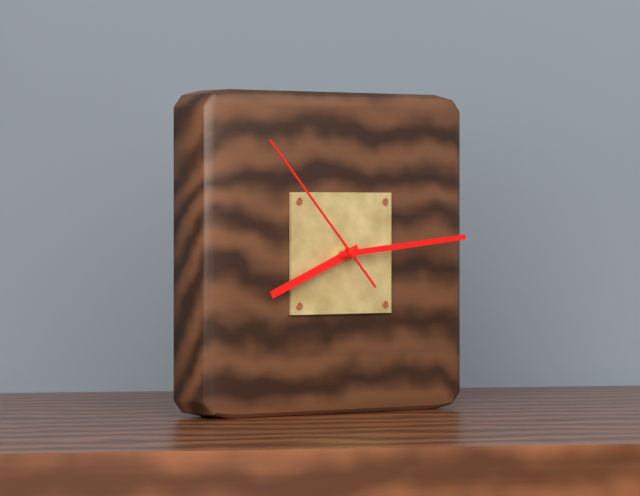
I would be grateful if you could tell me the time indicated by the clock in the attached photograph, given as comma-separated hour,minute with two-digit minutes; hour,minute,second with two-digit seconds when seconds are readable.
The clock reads 8,14,53
